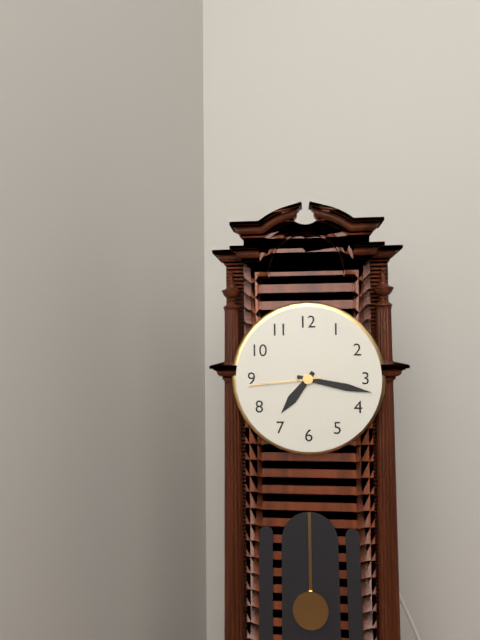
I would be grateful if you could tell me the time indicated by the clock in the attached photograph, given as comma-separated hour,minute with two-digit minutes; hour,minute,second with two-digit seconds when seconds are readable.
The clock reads 7,17,44
